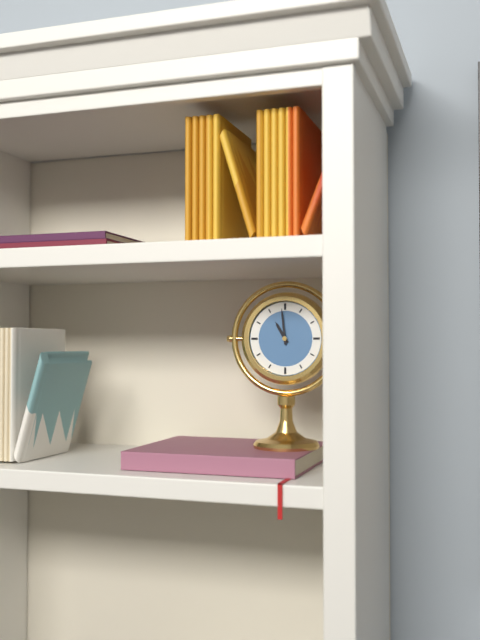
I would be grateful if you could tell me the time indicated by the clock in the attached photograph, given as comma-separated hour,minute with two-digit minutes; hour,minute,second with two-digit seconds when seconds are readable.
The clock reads 10,59
